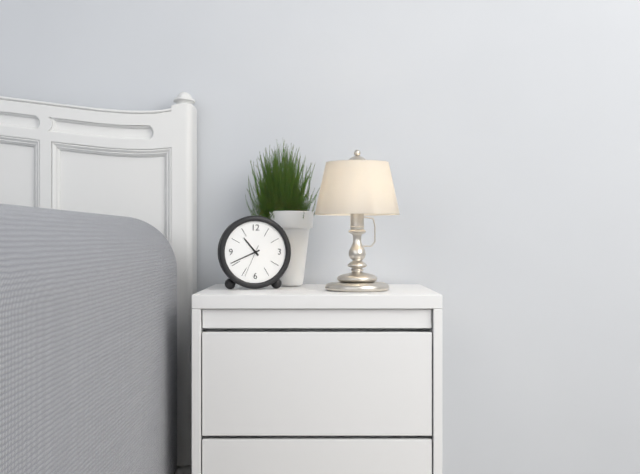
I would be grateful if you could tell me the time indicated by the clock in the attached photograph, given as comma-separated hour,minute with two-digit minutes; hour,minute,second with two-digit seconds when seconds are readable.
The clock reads 10,41
